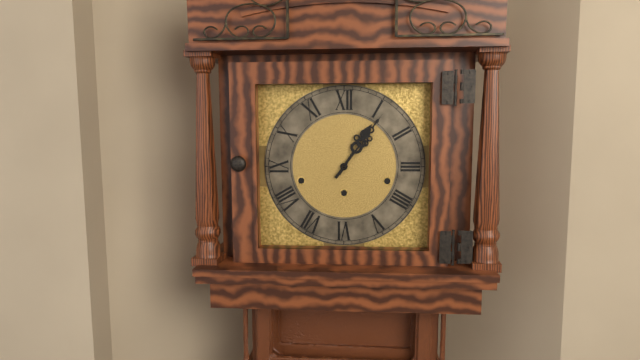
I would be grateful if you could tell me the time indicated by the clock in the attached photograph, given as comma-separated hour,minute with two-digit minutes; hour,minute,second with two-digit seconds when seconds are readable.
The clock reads 1,06
